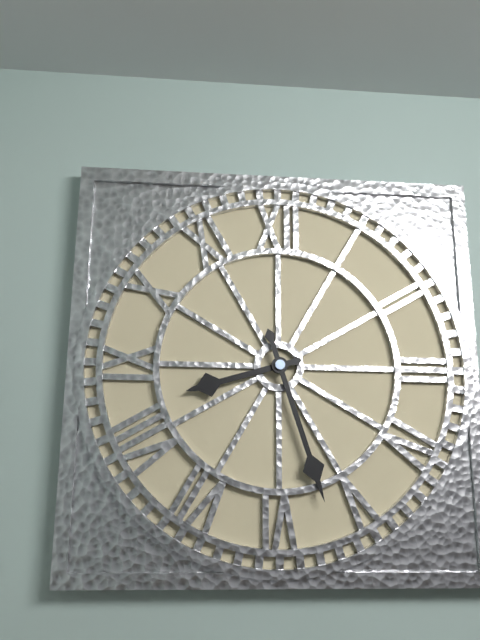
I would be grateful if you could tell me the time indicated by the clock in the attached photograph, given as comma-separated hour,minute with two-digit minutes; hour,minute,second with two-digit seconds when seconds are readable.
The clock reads 8,27
